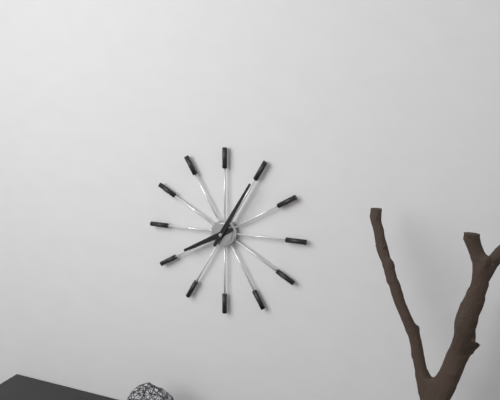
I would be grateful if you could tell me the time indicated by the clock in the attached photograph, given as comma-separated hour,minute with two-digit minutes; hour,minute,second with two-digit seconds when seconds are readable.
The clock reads 8,05
